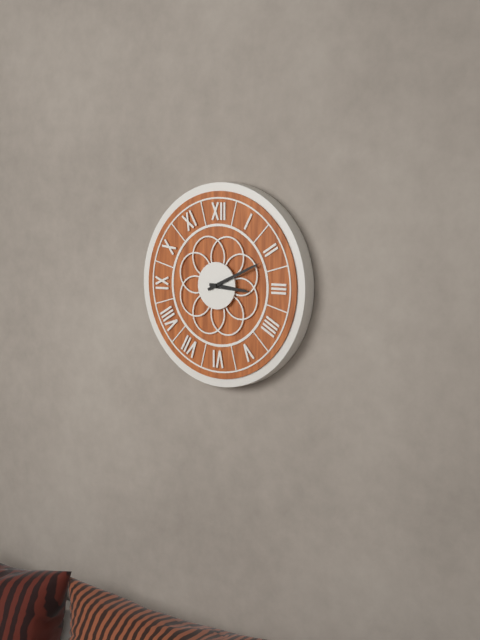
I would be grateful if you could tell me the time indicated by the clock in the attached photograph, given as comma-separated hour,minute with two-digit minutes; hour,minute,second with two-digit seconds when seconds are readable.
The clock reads 3,11
